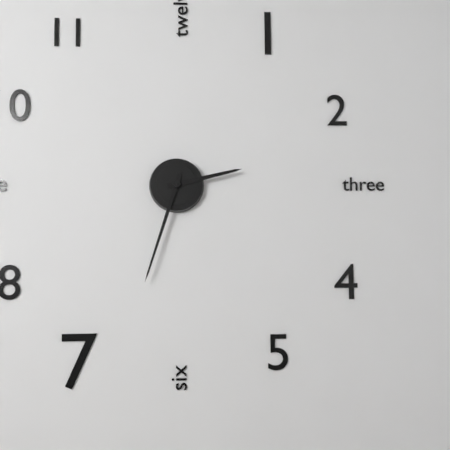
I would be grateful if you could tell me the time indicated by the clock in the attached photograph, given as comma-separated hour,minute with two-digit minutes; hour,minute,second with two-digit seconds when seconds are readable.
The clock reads 2,33
